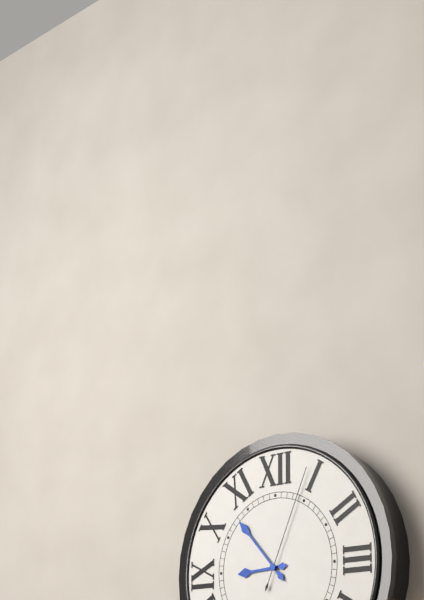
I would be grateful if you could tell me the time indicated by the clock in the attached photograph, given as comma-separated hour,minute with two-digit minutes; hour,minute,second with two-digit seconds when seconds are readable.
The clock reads 8,53,04
